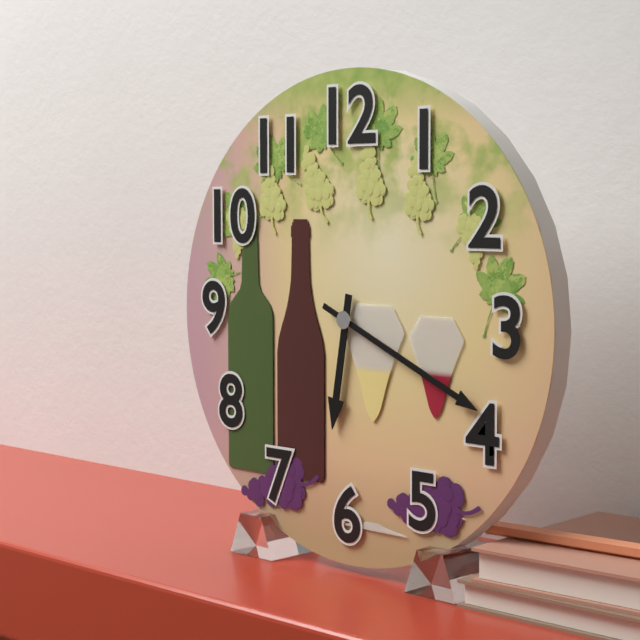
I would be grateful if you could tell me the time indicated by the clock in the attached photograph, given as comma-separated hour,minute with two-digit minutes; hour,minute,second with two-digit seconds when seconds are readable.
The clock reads 6,19
